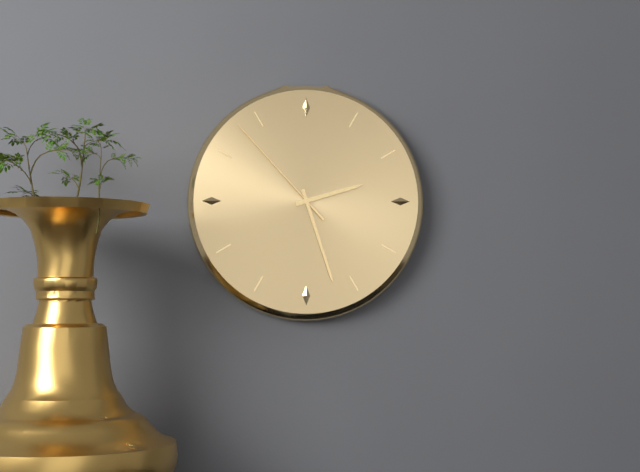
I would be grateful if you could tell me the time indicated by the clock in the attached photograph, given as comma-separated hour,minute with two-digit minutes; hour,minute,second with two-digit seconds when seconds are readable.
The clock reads 2,27,53
